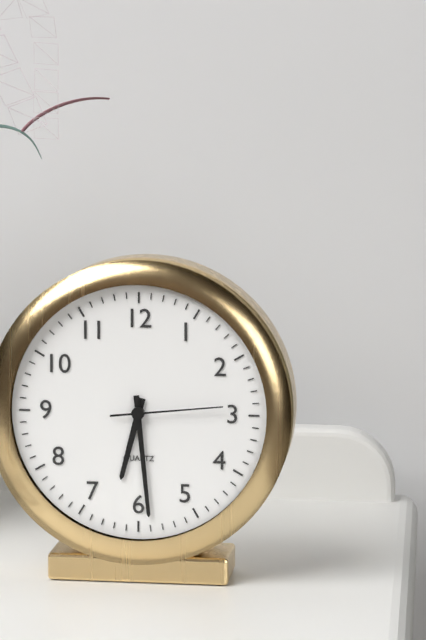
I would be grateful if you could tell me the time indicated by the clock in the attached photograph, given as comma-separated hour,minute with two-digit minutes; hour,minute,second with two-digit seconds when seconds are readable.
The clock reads 6,29,14
